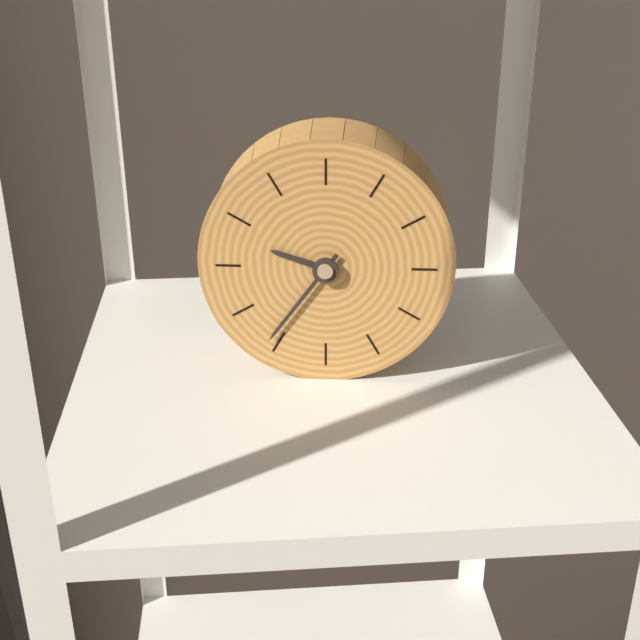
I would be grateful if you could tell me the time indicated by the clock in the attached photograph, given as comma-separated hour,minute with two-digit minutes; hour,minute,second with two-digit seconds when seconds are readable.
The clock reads 9,36
